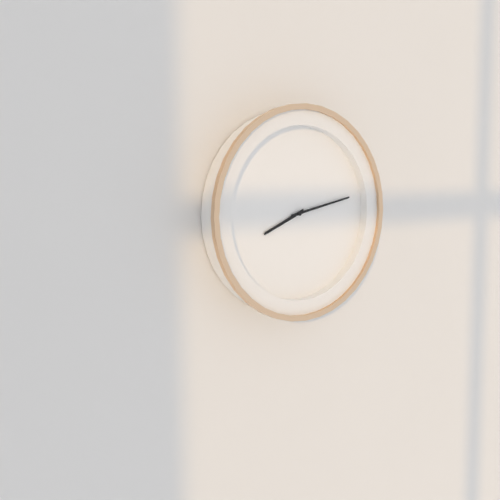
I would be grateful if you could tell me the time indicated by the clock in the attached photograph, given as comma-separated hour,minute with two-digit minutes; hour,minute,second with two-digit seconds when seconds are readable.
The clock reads 8,13
